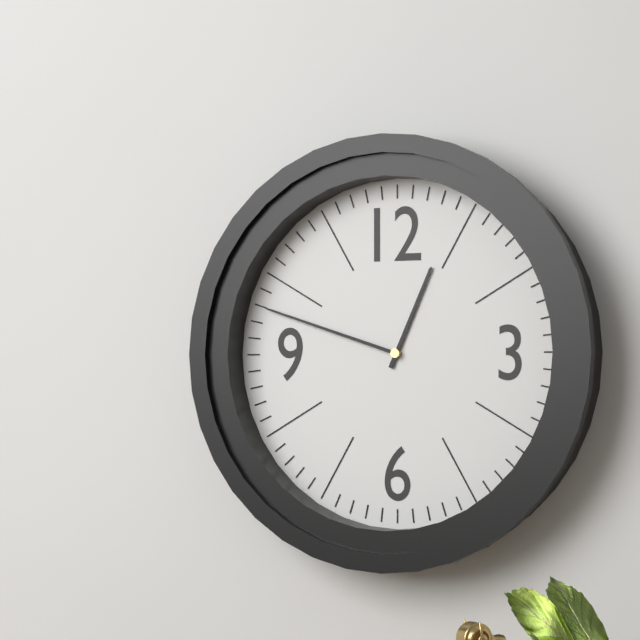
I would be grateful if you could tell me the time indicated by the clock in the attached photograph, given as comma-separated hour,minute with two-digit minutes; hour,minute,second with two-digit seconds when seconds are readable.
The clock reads 12,48
